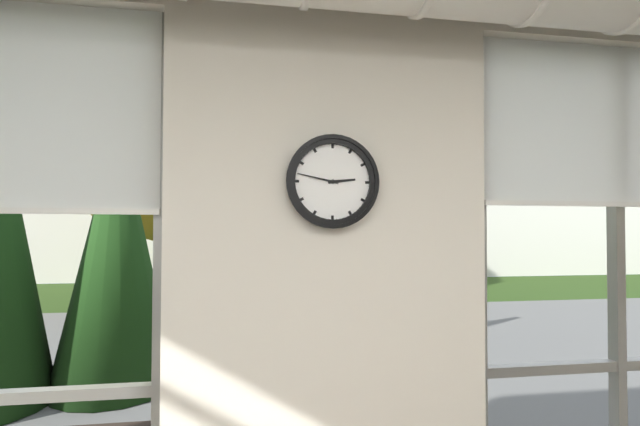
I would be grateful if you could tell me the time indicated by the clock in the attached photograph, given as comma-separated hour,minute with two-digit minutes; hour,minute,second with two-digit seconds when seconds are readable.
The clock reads 2,47
